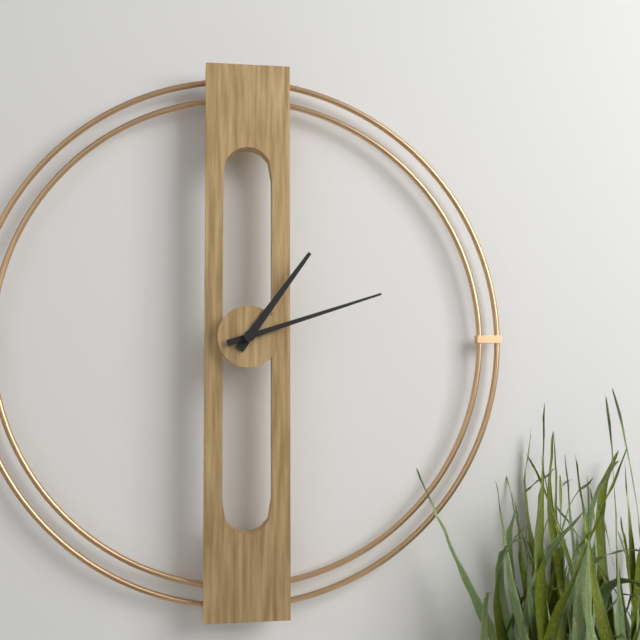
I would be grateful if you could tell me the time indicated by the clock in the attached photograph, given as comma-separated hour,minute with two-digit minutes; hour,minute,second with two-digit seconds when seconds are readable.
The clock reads 1,12
